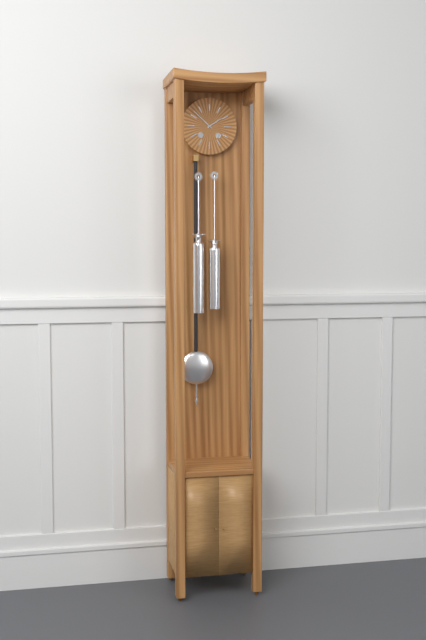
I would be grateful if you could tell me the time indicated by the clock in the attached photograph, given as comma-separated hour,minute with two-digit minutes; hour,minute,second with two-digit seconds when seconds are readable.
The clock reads 1,52
